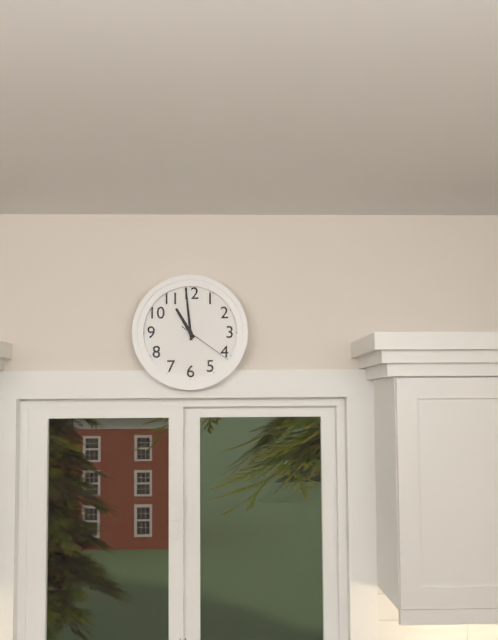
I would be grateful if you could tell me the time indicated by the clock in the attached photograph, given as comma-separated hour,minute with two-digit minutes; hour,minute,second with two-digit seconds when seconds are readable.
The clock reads 10,59,21
